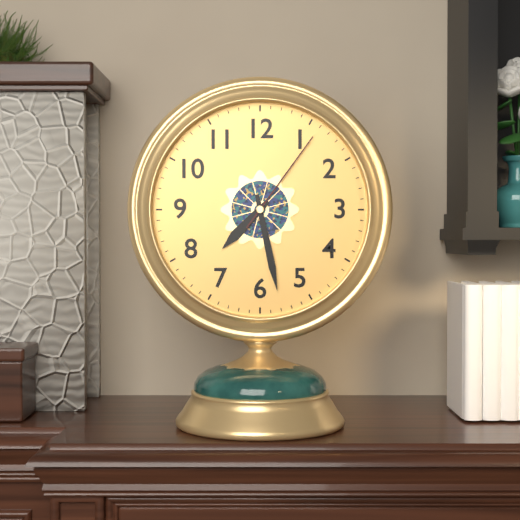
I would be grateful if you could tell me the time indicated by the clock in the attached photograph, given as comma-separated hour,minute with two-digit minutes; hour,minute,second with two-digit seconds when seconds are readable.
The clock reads 7,28,06
